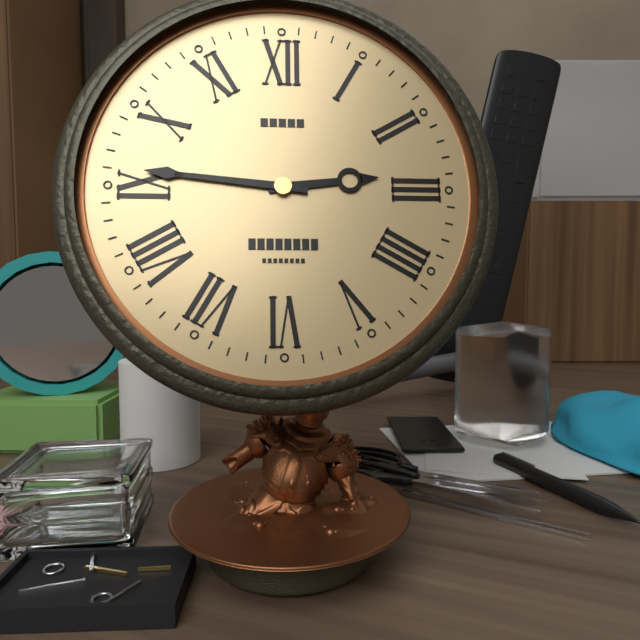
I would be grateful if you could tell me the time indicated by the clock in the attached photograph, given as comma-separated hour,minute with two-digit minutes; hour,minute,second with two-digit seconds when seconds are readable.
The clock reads 2,46
